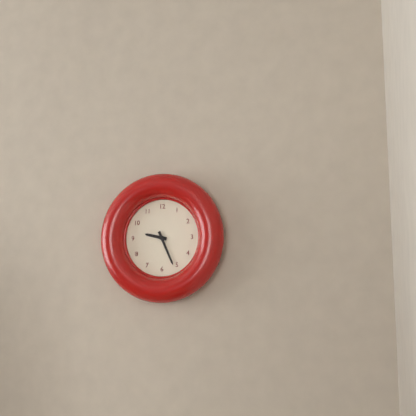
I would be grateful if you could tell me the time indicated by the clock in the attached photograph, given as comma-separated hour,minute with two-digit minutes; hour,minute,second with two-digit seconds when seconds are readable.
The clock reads 9,26
